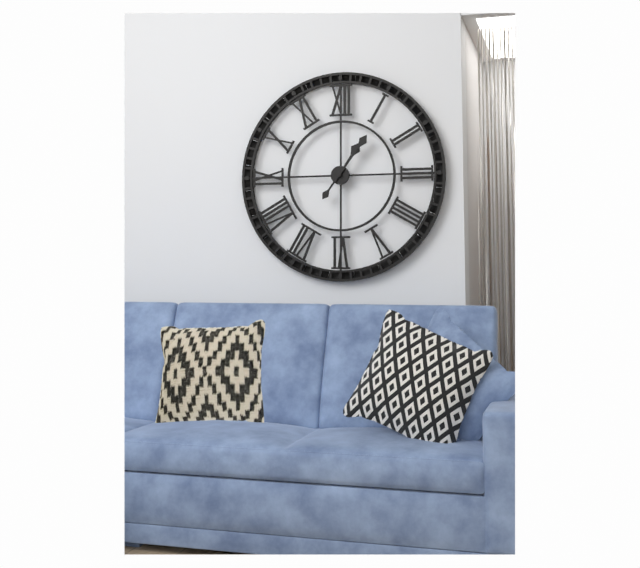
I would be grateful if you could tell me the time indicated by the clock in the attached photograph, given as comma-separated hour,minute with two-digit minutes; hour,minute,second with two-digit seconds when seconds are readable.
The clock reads 1,06
